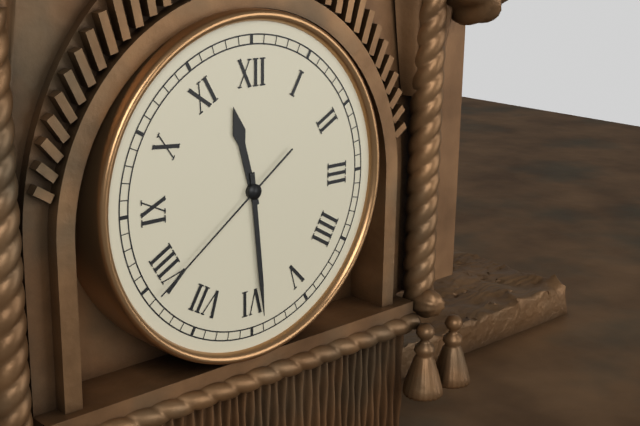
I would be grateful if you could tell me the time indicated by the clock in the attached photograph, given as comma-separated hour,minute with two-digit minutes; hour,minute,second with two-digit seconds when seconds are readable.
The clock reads 11,29,39
